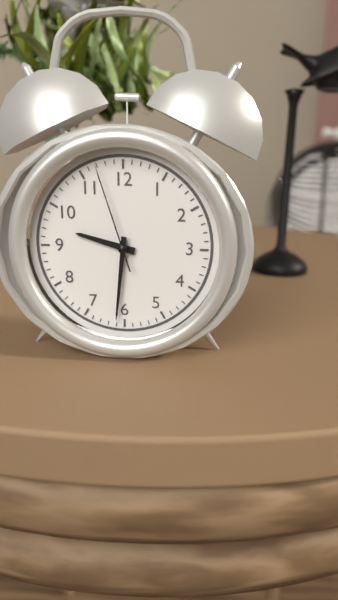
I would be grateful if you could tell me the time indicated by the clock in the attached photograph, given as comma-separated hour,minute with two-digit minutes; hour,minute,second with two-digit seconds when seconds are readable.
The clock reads 9,31,57
